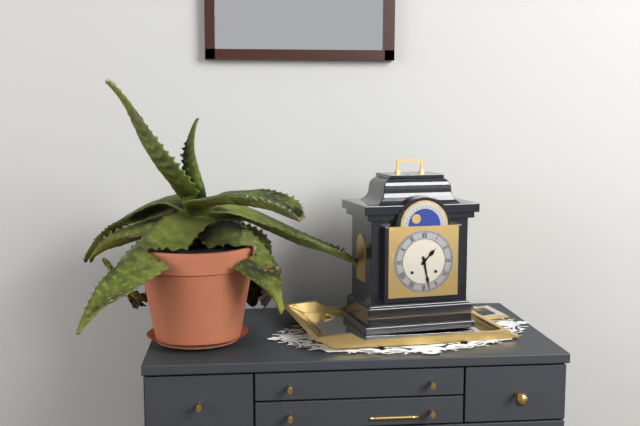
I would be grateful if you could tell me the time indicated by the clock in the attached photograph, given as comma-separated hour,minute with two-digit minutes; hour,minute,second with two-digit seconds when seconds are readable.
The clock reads 1,28
